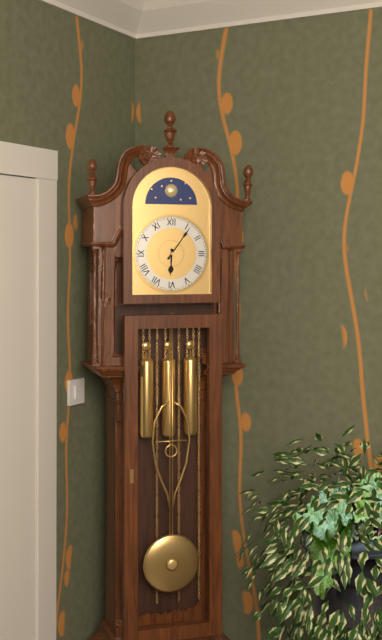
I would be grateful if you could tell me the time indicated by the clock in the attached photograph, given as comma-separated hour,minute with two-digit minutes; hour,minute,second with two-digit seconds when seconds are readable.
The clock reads 6,06
